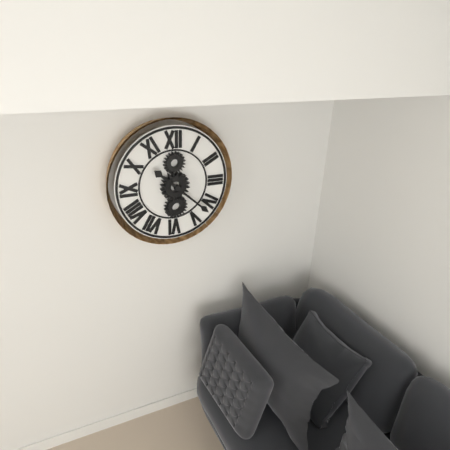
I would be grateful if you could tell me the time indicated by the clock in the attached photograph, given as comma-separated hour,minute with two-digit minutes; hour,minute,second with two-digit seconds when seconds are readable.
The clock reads 10,22
